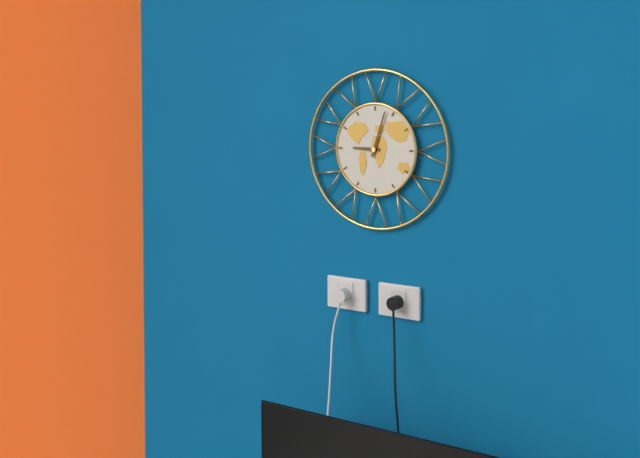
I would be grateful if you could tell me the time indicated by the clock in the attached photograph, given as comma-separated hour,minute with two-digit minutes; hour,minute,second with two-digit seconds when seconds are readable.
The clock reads 9,03
